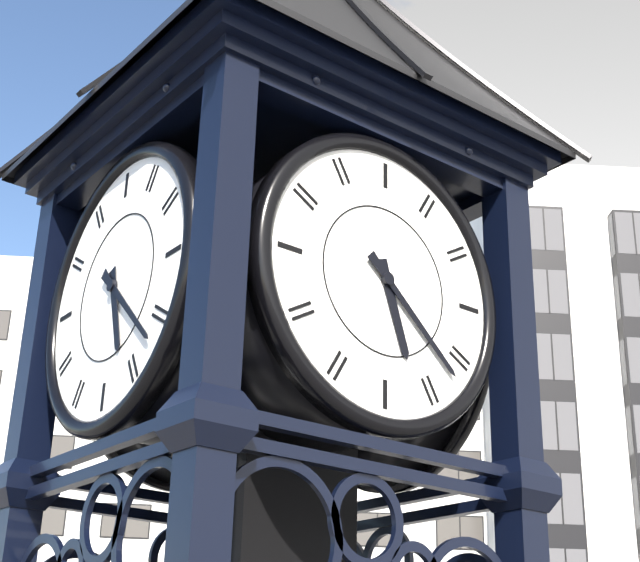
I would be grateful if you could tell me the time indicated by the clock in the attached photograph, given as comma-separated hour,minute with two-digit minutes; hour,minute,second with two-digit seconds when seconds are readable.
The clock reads 5,22
